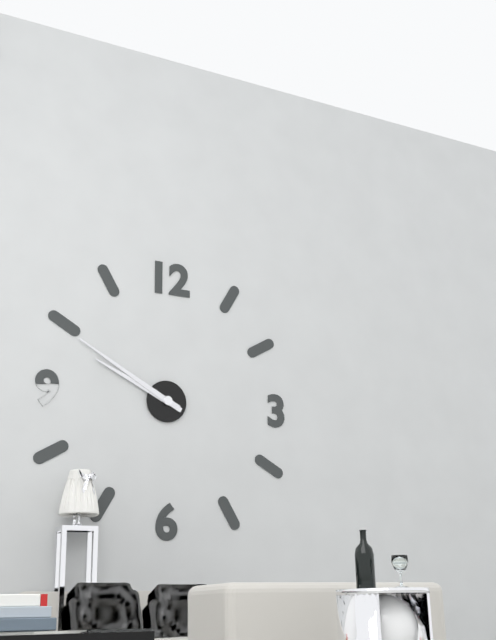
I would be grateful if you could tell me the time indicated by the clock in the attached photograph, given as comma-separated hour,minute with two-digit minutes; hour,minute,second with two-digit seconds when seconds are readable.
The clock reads 9,50
